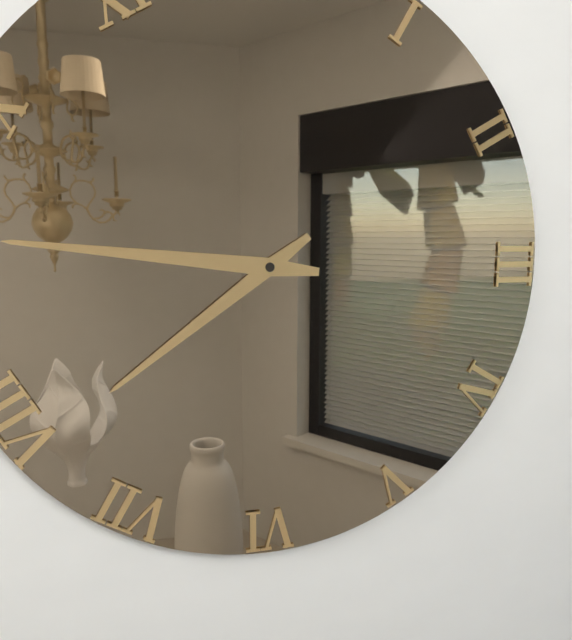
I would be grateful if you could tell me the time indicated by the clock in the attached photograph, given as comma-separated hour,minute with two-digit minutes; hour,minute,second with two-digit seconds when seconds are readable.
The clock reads 7,46
